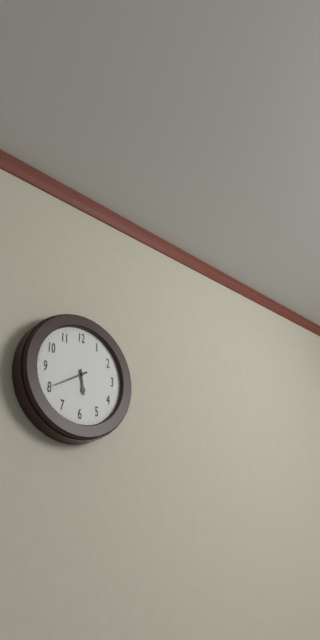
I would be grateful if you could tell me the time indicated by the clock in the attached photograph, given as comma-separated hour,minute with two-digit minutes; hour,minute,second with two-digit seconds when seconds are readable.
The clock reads 5,40
